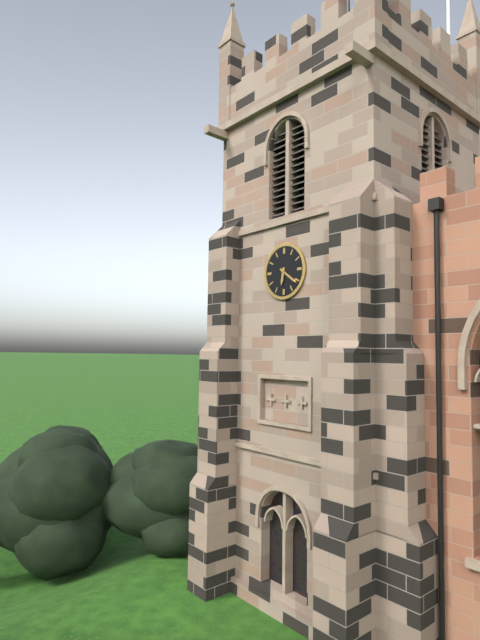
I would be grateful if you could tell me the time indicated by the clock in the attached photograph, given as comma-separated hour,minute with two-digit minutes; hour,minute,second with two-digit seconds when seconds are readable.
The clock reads 6,21
